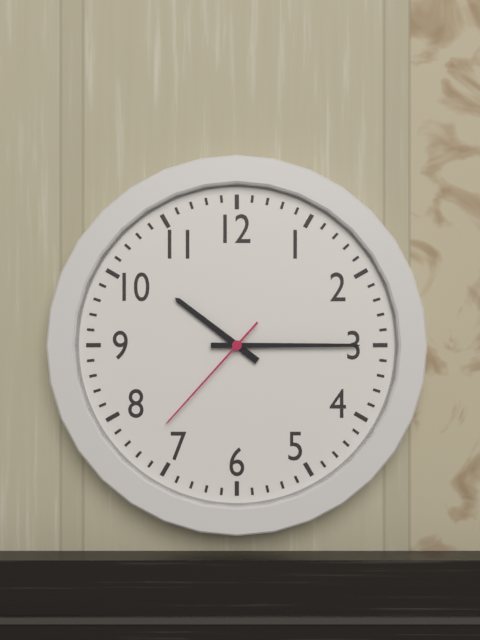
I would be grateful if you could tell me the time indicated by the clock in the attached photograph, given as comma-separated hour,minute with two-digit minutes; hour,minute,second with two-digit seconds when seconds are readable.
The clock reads 10,15,37
